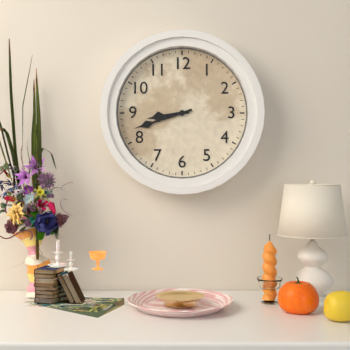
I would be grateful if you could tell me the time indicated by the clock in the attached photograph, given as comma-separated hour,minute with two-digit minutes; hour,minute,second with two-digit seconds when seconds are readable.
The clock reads 8,42
